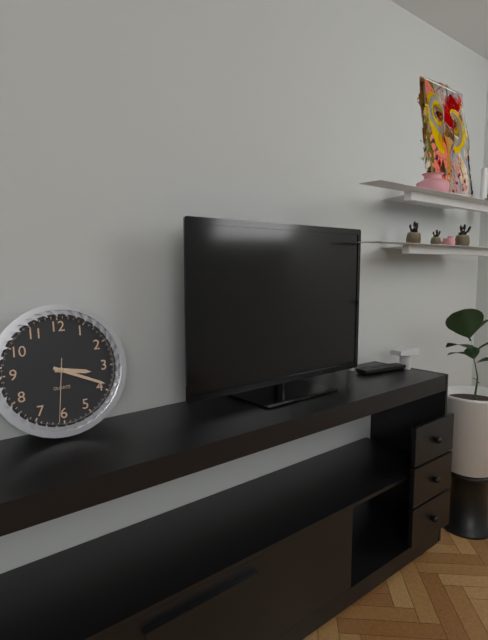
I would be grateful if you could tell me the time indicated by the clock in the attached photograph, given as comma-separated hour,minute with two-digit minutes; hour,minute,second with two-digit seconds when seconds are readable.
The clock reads 3,19,31
